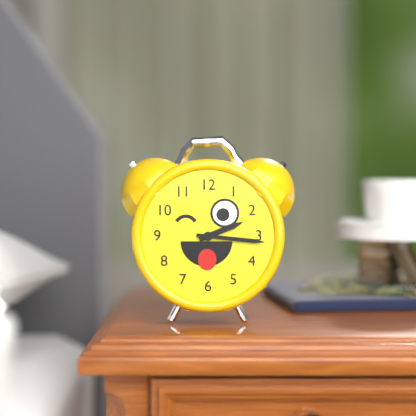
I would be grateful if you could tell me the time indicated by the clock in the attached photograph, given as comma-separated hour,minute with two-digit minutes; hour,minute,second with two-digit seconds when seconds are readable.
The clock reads 2,16
